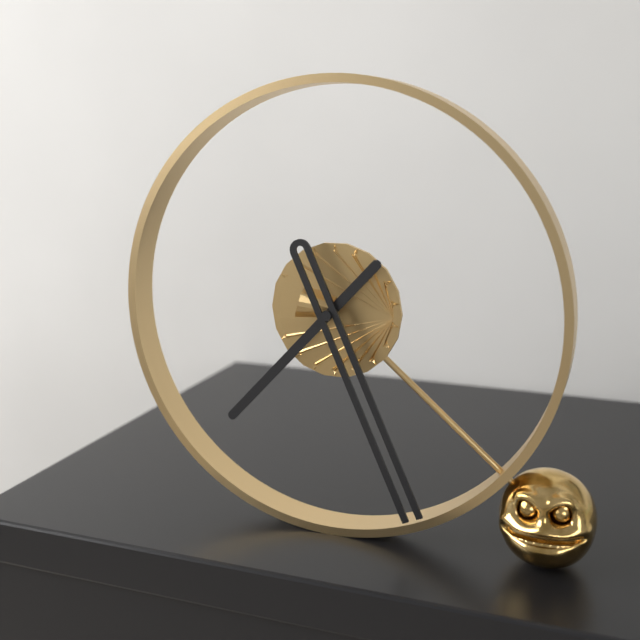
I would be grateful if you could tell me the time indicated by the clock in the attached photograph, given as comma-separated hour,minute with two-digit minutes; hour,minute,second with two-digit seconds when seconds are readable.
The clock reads 7,26
